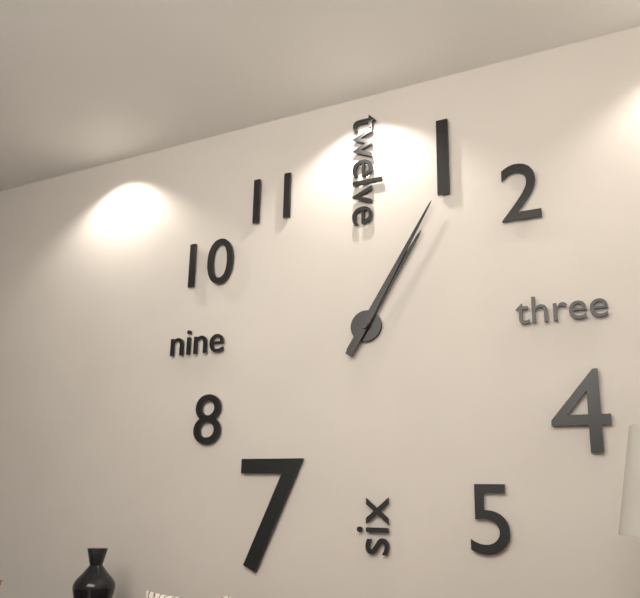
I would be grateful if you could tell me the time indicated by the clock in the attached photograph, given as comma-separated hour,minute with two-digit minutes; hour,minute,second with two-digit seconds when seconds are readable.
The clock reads 1,05
